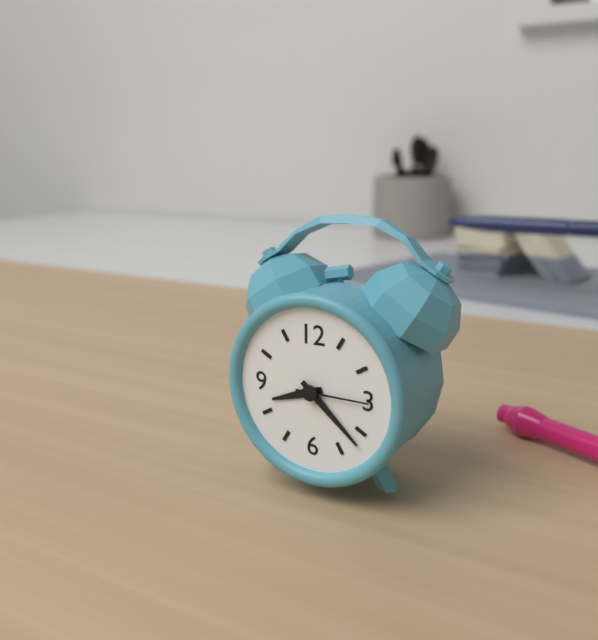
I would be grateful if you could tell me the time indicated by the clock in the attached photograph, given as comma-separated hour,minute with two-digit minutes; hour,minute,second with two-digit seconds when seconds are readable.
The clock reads 8,22,15
